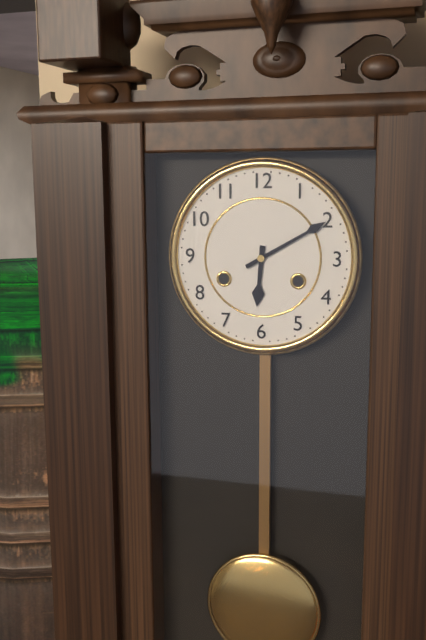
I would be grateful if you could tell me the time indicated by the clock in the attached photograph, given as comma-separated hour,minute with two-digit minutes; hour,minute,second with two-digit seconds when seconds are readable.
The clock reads 6,10
